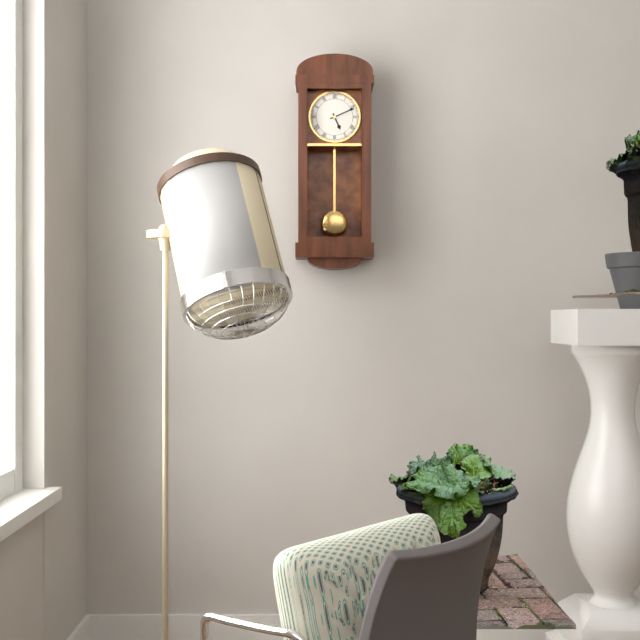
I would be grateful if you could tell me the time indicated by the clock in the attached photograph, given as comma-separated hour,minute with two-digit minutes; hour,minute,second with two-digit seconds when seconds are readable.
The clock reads 5,11
